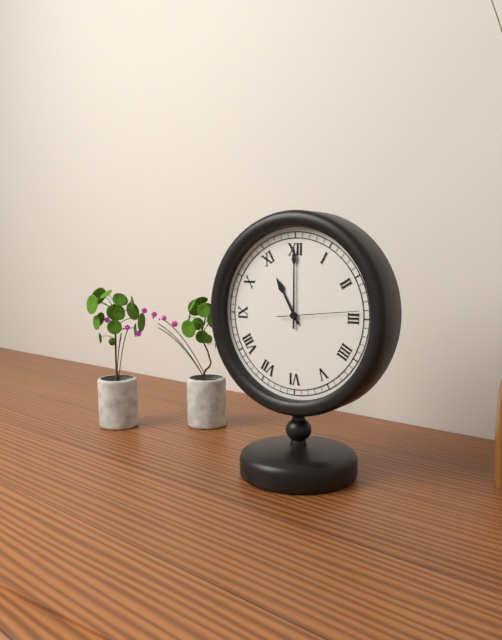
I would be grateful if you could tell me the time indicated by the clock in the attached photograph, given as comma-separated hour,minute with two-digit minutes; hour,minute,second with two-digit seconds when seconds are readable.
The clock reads 11,00,14
